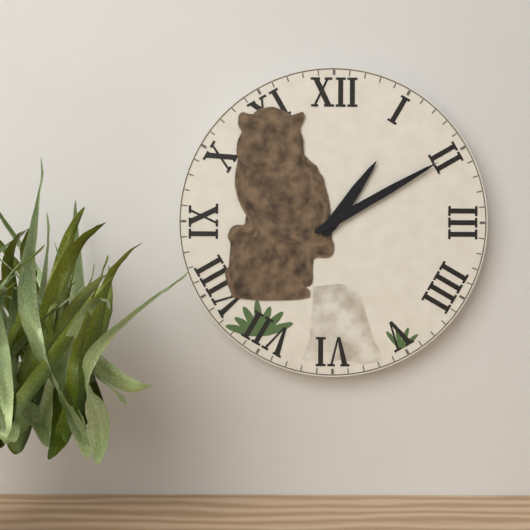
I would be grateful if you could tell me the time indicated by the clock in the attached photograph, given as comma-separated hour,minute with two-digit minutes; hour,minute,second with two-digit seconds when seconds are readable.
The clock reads 1,10
